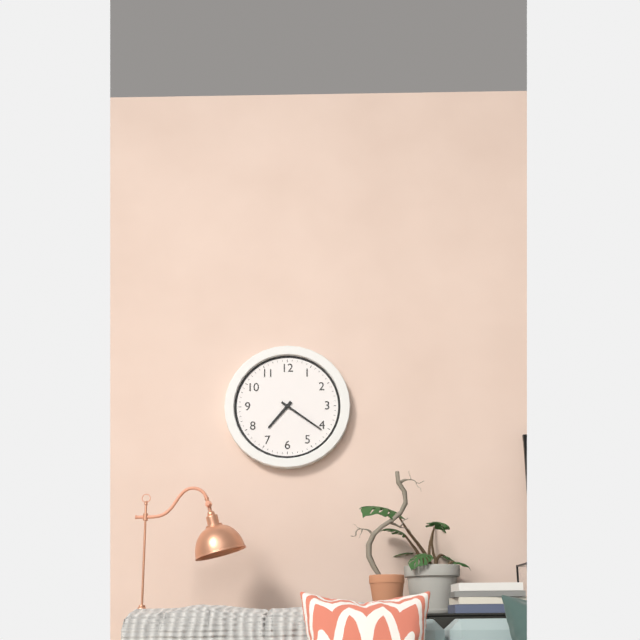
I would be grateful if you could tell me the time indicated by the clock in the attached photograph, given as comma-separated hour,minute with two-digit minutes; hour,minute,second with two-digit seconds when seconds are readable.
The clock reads 7,21
